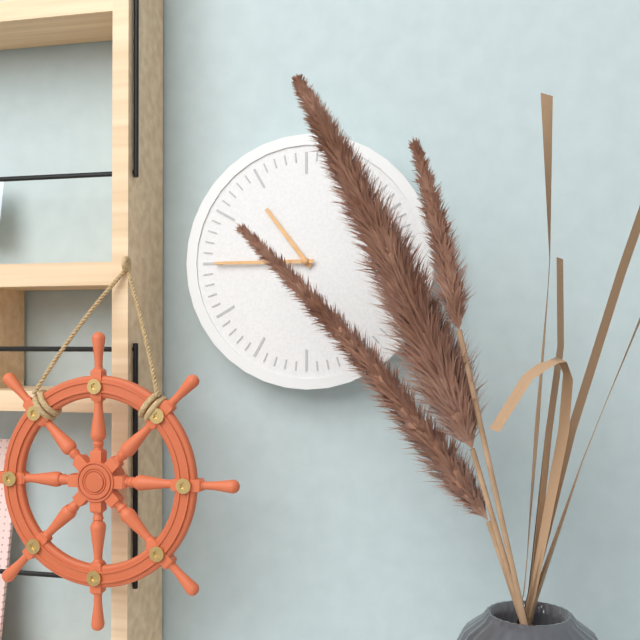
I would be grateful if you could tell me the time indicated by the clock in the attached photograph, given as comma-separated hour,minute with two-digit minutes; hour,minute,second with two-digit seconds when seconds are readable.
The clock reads 10,45
